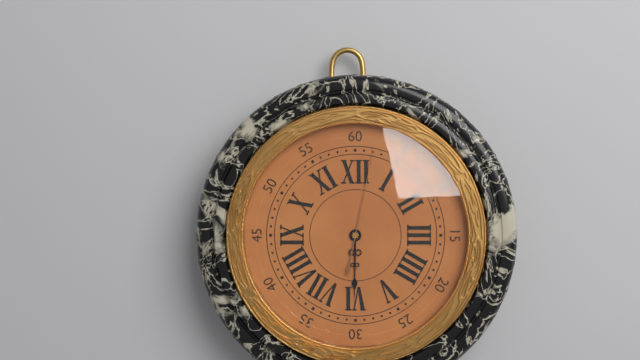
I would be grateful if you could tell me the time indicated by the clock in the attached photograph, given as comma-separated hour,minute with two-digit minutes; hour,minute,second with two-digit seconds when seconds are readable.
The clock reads 6,02
